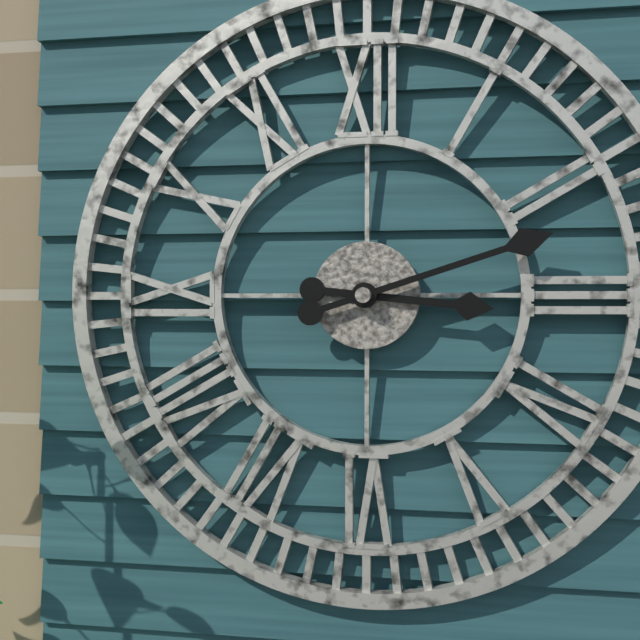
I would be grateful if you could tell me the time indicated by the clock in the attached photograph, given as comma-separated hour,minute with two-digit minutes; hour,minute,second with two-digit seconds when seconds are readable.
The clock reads 3,12
